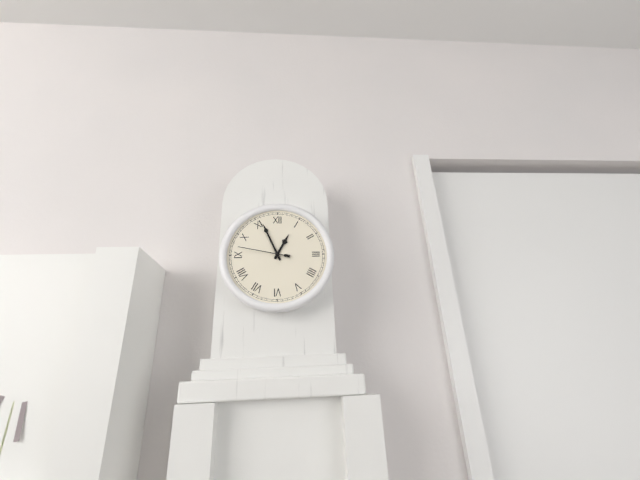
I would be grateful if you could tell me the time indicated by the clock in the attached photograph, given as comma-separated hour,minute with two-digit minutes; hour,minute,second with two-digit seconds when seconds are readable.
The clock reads 12,56,47
